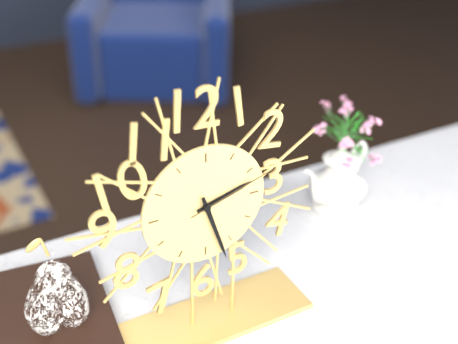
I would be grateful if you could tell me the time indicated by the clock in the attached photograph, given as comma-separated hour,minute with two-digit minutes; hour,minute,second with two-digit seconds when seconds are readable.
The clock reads 2,27,12
